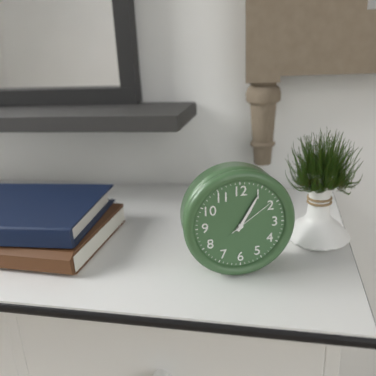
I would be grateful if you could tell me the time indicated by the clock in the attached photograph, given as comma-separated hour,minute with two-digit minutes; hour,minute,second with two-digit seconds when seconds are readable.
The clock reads 1,05,09
